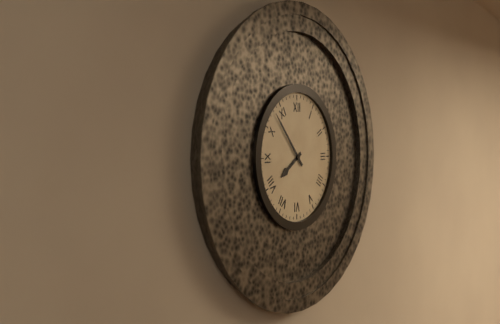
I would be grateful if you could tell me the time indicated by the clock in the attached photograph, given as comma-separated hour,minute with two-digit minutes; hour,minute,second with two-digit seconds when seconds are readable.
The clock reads 7,53
